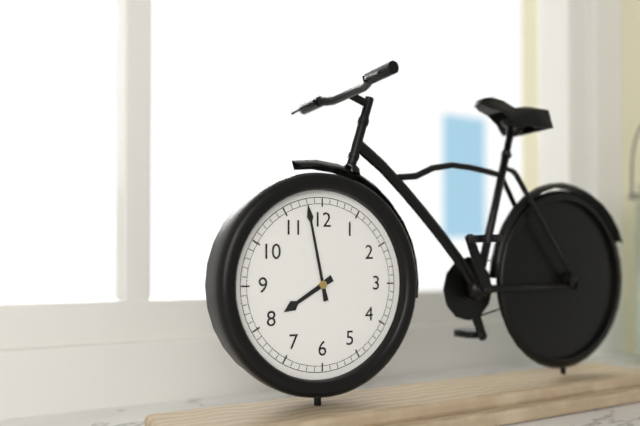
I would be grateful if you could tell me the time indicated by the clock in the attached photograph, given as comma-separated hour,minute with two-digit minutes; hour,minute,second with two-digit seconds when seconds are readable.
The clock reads 7,58
